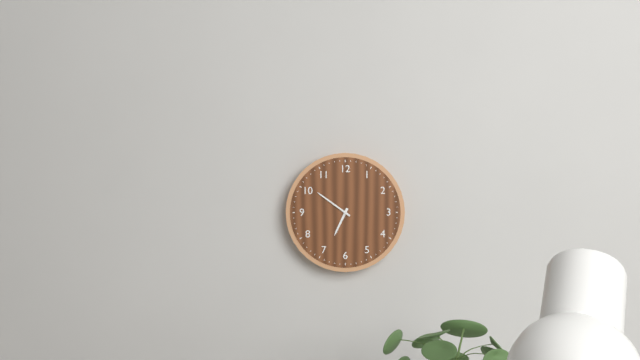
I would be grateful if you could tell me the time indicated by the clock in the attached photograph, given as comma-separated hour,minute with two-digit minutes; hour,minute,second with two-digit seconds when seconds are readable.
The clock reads 6,51
